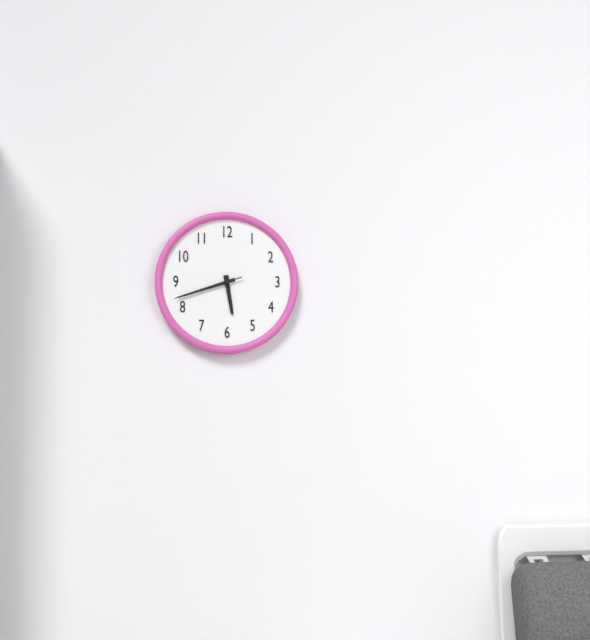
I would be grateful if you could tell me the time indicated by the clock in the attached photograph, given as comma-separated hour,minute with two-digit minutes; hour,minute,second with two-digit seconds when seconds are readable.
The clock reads 5,42,42
